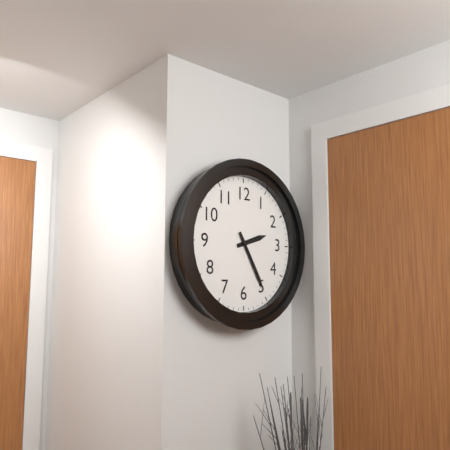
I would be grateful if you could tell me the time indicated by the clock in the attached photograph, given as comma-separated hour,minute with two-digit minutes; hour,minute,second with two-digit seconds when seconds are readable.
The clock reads 2,25
